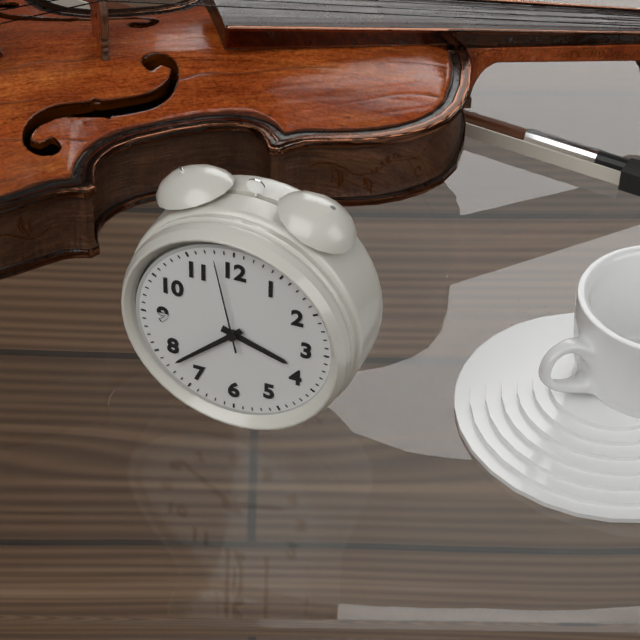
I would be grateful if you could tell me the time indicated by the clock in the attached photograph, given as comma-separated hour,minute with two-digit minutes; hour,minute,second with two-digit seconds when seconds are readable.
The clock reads 3,38,58
